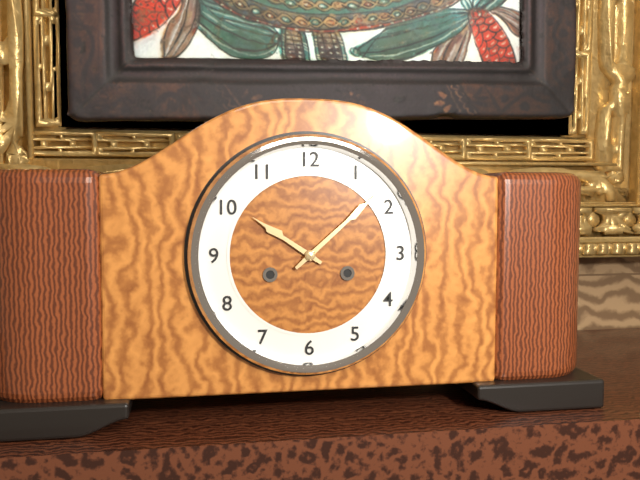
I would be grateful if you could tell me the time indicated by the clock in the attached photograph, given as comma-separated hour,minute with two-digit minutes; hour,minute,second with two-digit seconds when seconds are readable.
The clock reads 10,08
